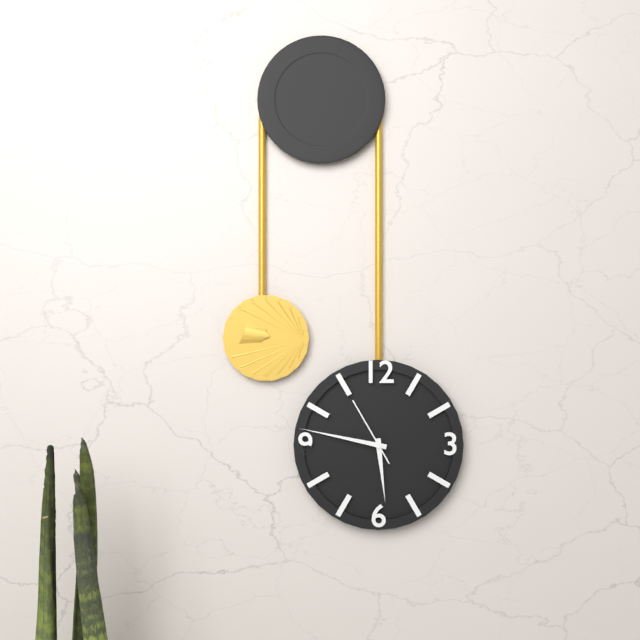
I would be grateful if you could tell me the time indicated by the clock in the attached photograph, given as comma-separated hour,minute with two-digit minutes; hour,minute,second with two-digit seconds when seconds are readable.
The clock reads 5,47,55
